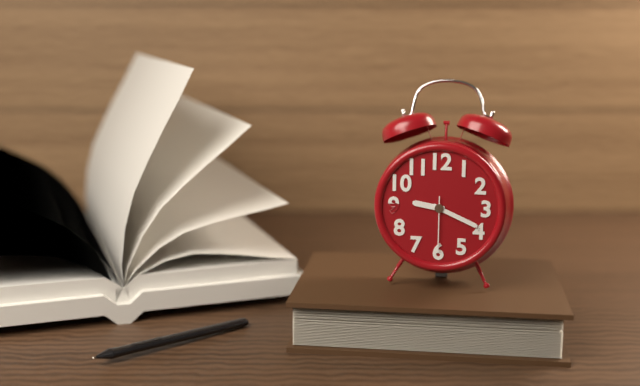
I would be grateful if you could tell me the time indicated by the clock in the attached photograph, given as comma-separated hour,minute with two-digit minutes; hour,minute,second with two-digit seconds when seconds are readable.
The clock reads 9,19,30
